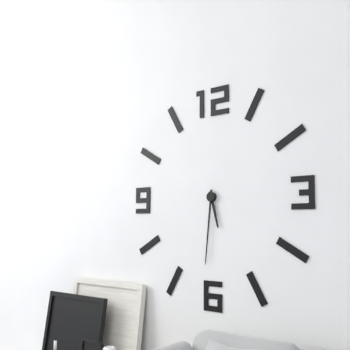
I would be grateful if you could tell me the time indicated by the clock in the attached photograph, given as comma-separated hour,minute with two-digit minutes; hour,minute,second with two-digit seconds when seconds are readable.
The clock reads 5,31
